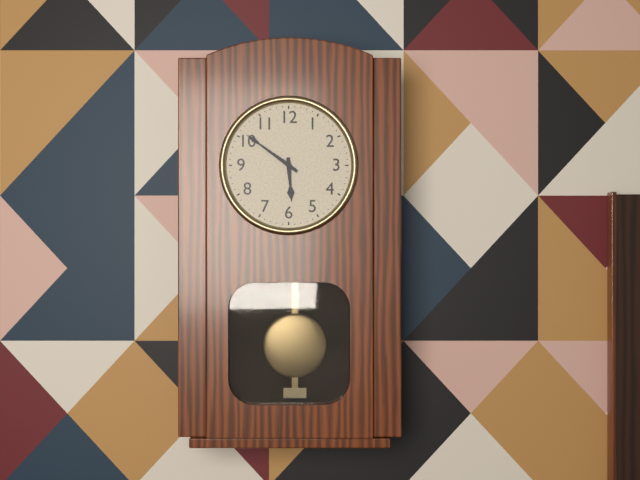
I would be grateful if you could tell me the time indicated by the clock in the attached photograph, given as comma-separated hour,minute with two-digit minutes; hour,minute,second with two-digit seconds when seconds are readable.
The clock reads 5,51
